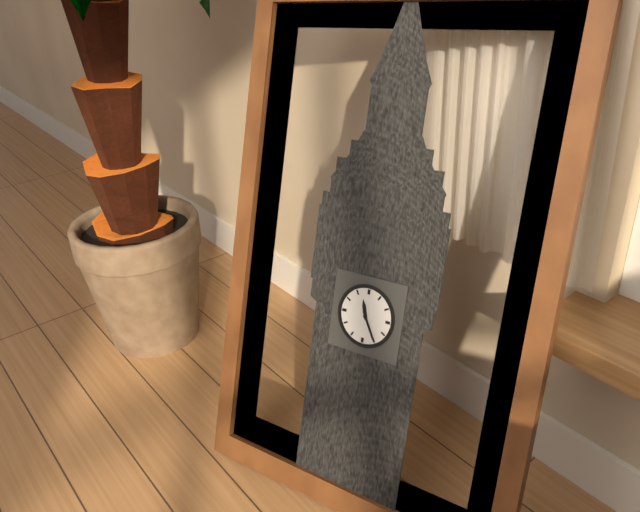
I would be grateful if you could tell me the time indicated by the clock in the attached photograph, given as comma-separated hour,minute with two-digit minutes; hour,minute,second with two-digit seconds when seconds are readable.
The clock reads 11,25
